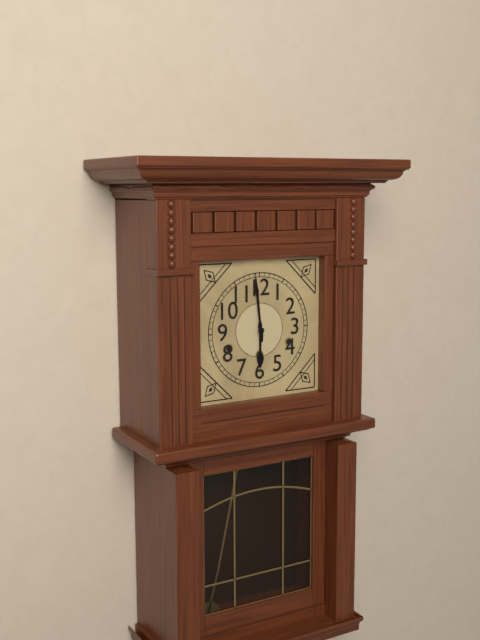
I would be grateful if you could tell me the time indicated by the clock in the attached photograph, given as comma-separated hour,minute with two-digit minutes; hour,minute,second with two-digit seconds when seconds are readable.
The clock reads 5,59
